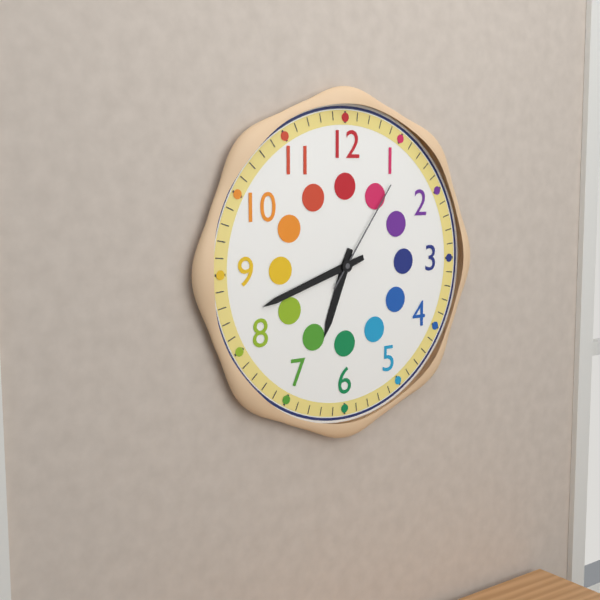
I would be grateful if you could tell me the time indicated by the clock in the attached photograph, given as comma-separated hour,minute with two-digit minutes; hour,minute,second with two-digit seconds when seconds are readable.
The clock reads 6,42,06
